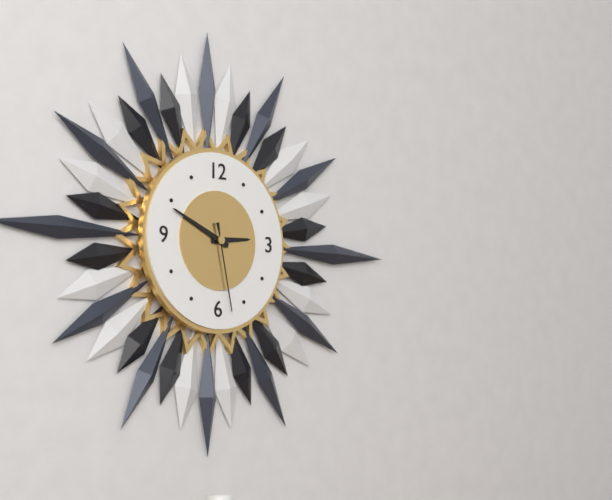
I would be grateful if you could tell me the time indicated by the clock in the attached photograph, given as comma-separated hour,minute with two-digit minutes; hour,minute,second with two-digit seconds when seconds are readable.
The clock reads 2,49,28
